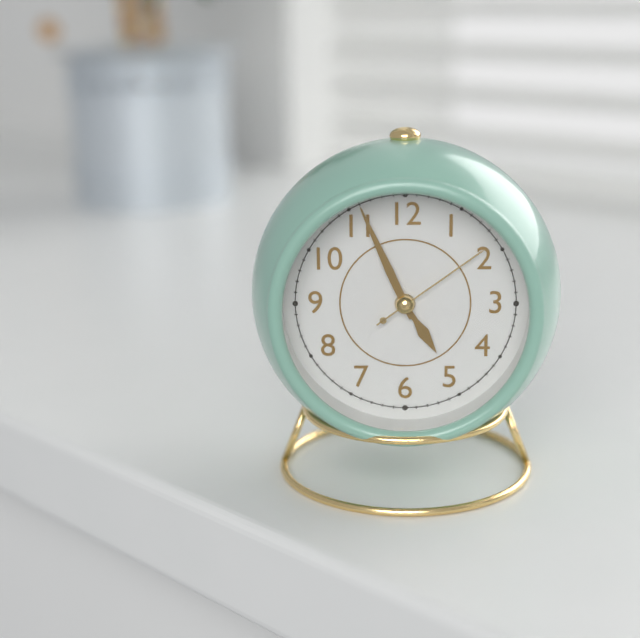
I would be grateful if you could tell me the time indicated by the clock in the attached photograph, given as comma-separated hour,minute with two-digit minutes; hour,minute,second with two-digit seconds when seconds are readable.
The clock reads 4,56,09
